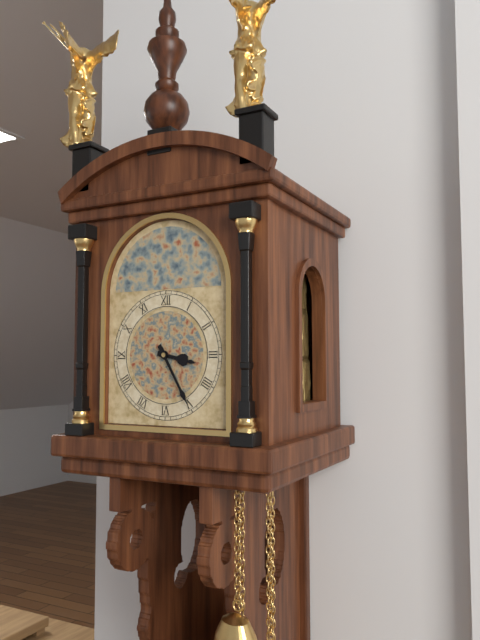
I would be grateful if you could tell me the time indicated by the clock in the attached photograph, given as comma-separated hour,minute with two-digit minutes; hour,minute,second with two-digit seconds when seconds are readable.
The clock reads 3,25
